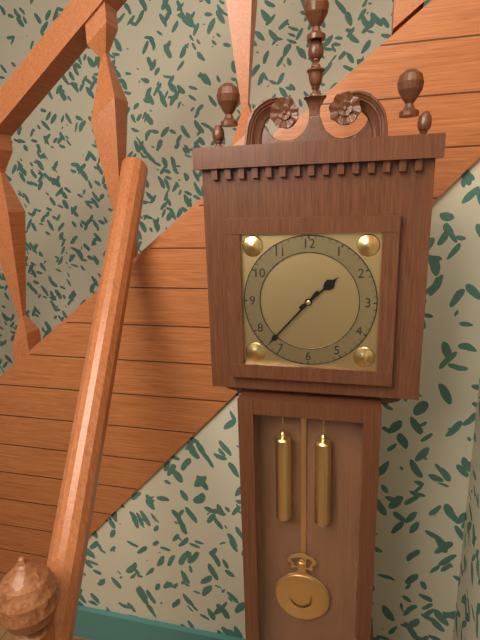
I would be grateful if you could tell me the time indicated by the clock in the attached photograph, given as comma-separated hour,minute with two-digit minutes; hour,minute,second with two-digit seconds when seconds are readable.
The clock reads 1,37
